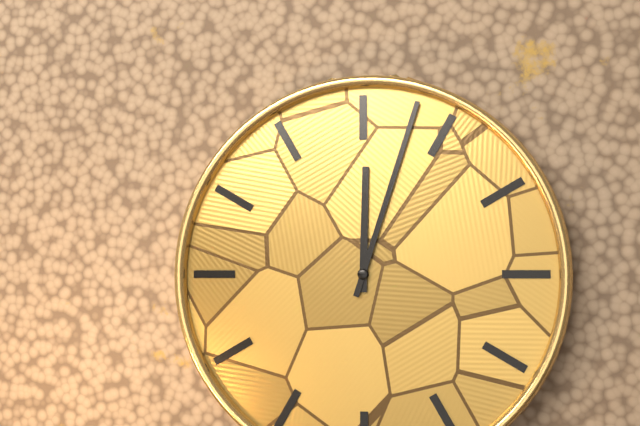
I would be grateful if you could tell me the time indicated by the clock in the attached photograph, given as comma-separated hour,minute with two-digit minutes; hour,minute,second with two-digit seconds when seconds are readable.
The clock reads 12,03
